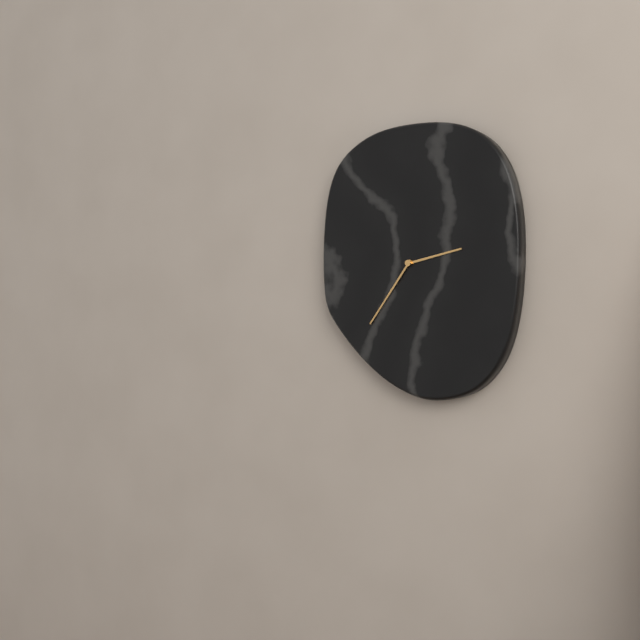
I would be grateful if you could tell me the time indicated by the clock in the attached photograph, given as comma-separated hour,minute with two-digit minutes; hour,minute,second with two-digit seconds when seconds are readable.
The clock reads 2,36
